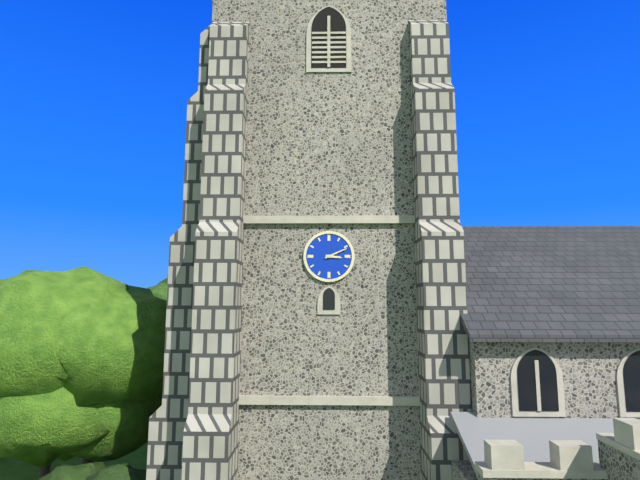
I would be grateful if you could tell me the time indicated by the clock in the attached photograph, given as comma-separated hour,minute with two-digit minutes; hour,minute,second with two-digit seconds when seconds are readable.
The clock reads 3,11
